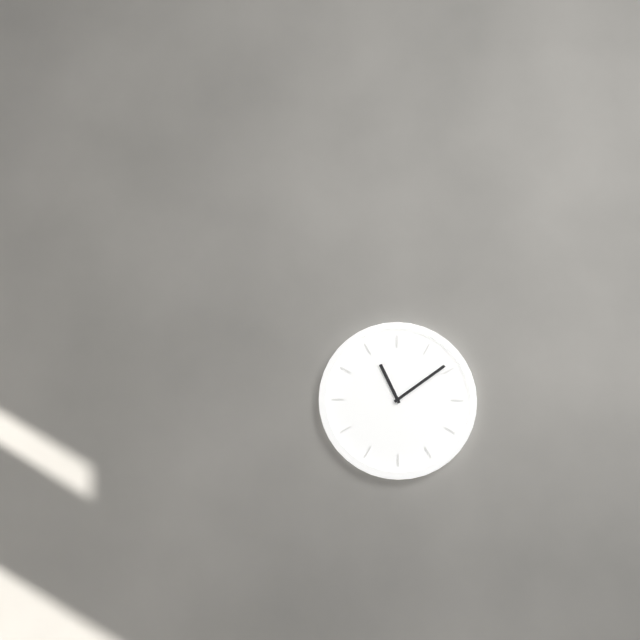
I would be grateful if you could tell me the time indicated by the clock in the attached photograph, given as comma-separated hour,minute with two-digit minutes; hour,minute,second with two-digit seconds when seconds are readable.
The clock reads 11,09
